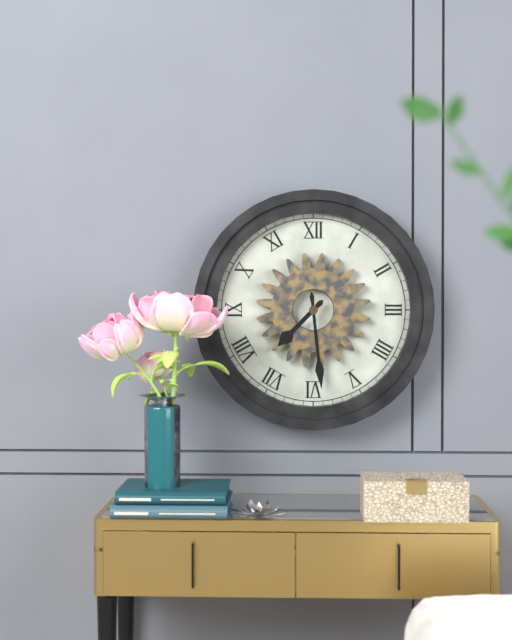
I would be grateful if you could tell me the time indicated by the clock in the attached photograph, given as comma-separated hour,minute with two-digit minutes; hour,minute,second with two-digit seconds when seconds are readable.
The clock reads 7,29
